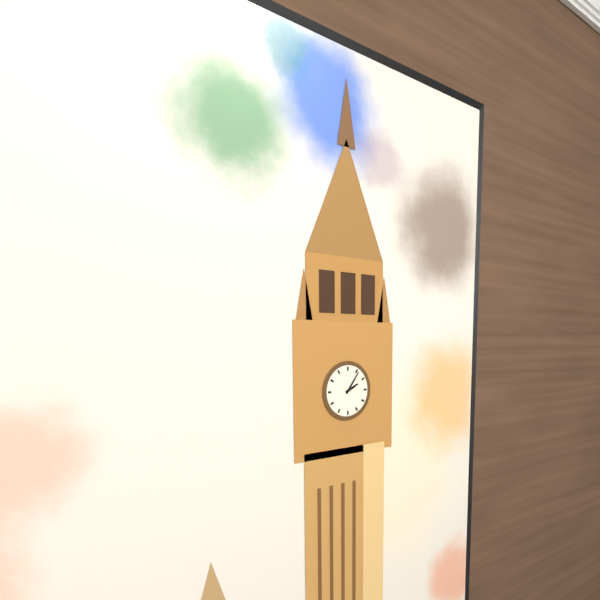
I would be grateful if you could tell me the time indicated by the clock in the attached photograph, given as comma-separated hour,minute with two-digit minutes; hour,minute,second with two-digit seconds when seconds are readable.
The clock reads 2,06
